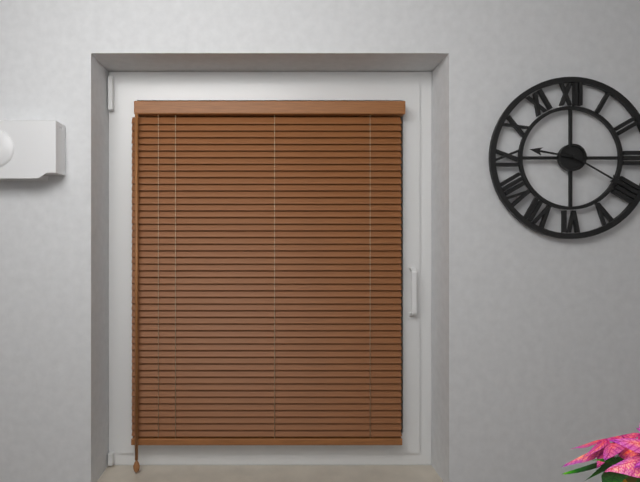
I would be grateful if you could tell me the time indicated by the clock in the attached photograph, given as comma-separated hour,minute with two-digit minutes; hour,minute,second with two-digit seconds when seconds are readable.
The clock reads 9,20
